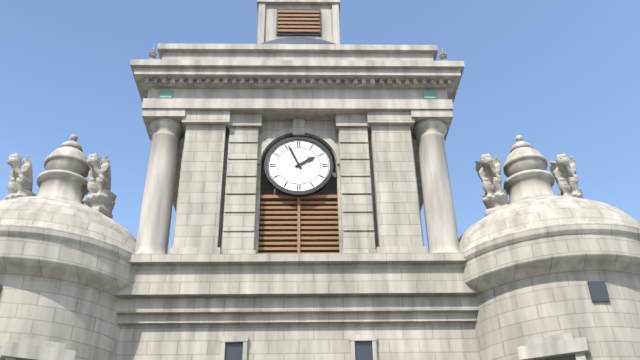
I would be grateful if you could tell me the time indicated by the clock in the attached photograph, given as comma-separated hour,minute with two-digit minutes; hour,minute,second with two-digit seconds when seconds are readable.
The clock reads 1,56
